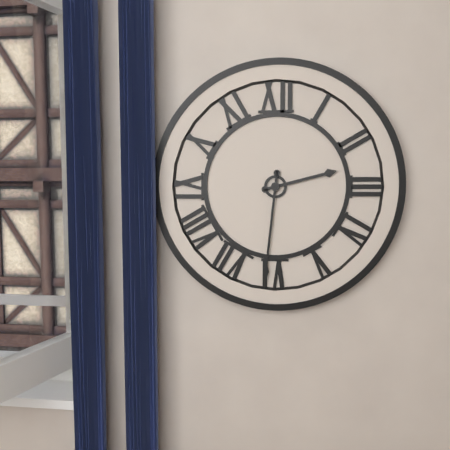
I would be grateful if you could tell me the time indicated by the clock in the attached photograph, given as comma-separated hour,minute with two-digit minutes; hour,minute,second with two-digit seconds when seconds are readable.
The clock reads 2,31
